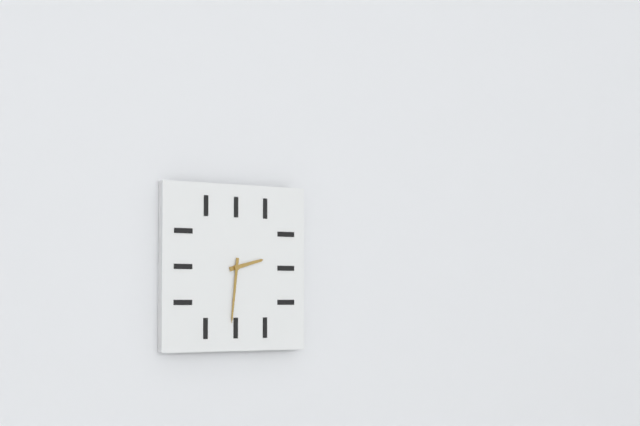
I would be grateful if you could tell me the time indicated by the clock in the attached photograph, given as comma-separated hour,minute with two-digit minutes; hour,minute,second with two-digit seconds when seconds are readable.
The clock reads 2,31
